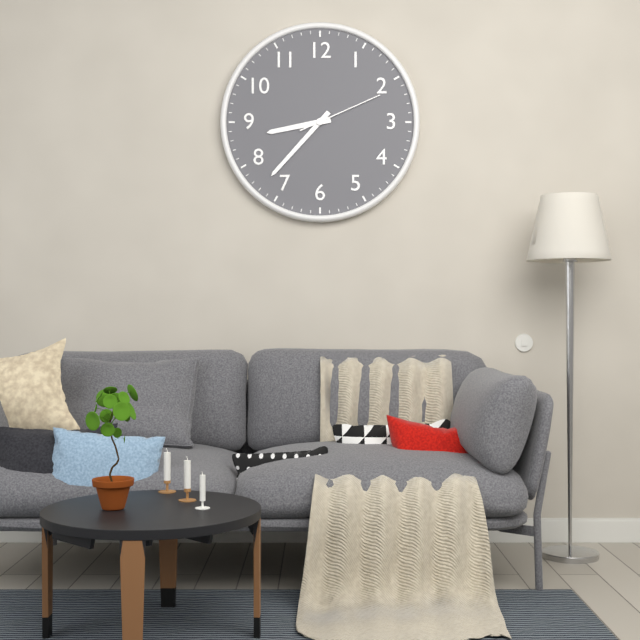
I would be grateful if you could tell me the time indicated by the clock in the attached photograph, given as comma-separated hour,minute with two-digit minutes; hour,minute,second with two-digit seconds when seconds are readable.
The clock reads 8,37,11
